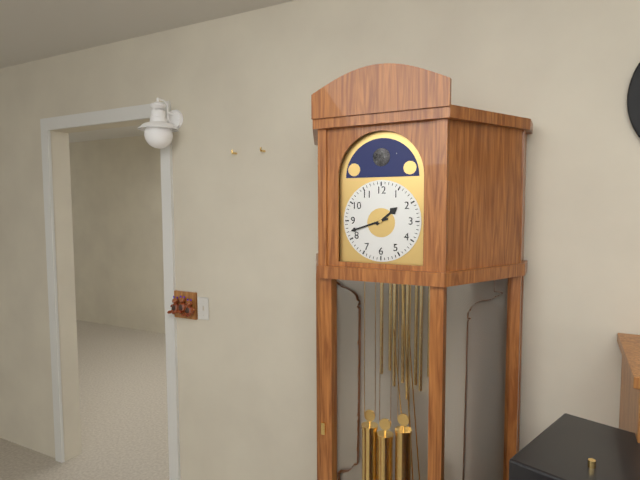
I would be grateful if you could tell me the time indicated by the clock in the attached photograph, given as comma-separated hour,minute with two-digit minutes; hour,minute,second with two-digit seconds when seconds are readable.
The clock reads 1,42
